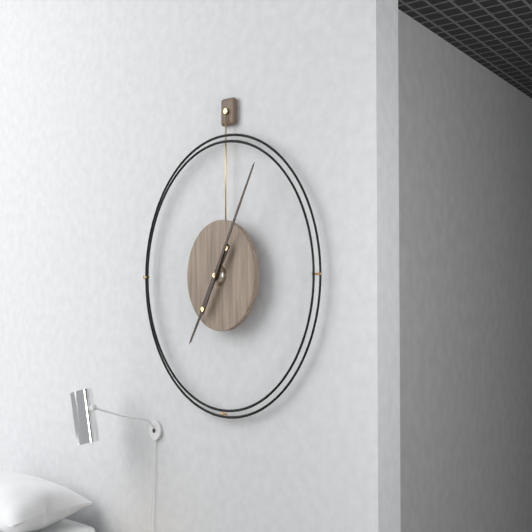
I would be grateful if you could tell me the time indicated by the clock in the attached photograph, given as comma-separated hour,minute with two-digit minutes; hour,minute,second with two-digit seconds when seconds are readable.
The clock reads 7,05
